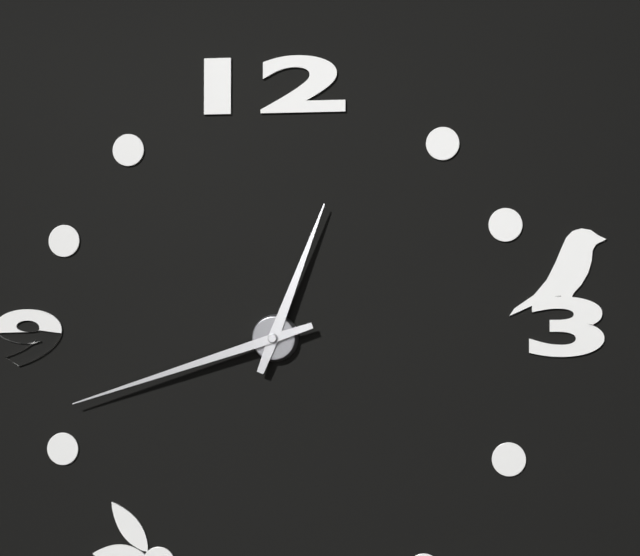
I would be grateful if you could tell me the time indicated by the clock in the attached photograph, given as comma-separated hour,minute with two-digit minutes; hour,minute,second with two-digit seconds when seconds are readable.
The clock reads 12,42
